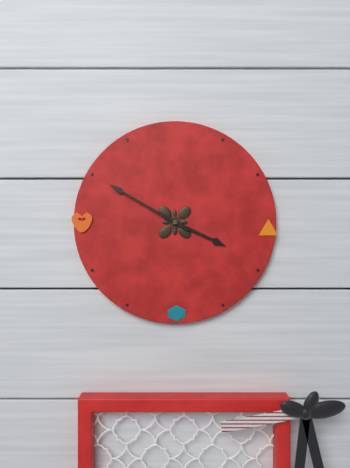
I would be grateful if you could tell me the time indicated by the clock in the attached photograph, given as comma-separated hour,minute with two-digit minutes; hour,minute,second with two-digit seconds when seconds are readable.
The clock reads 3,50
